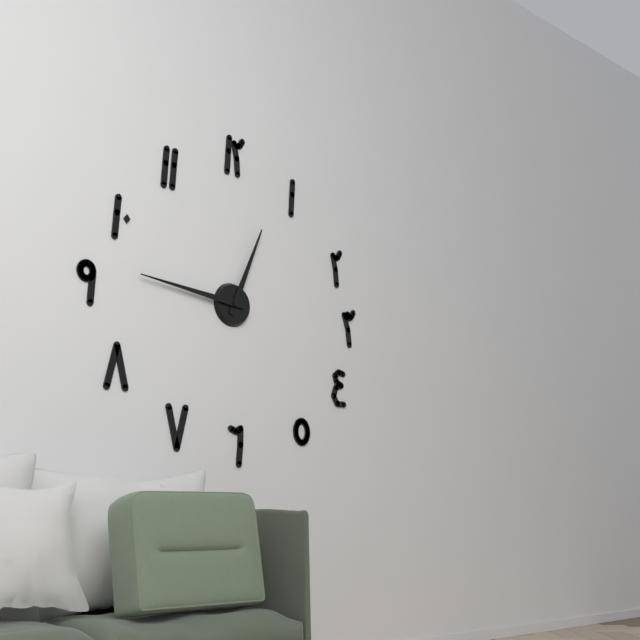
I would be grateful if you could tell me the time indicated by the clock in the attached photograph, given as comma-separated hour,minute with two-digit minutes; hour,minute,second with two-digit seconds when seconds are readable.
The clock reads 12,46
